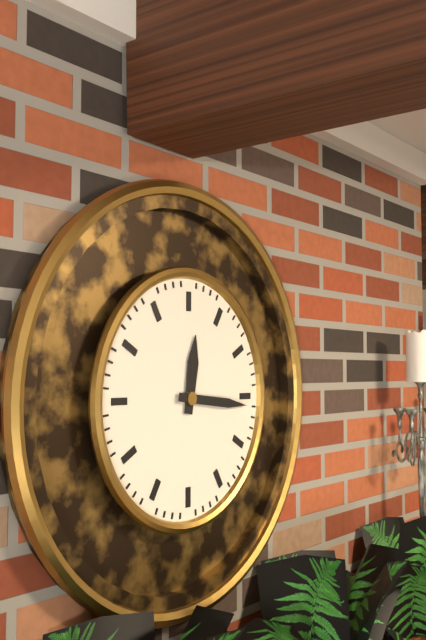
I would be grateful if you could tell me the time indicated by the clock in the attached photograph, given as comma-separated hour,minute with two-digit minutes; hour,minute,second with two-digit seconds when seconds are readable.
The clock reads 12,16
